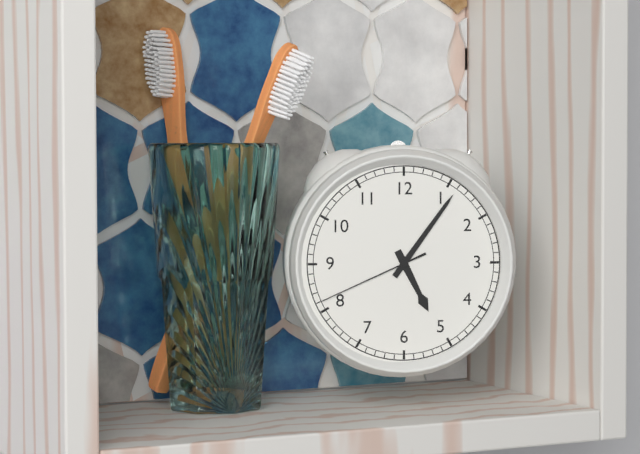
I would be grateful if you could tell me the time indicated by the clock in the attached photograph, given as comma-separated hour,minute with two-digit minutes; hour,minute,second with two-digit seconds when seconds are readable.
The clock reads 5,06,41
